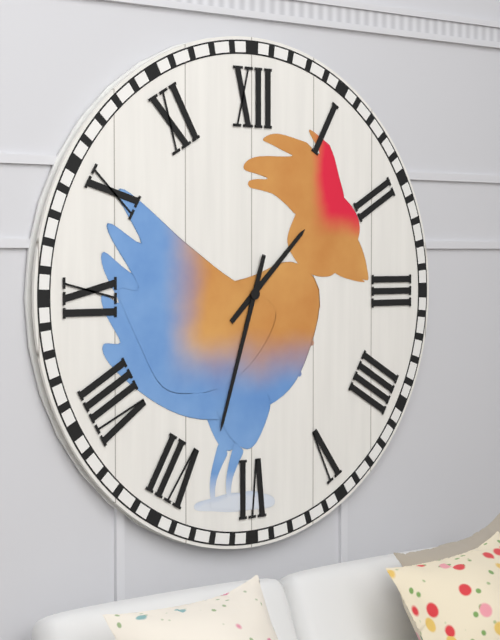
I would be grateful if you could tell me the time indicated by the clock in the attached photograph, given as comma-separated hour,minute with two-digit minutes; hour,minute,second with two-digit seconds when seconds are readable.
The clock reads 1,33
